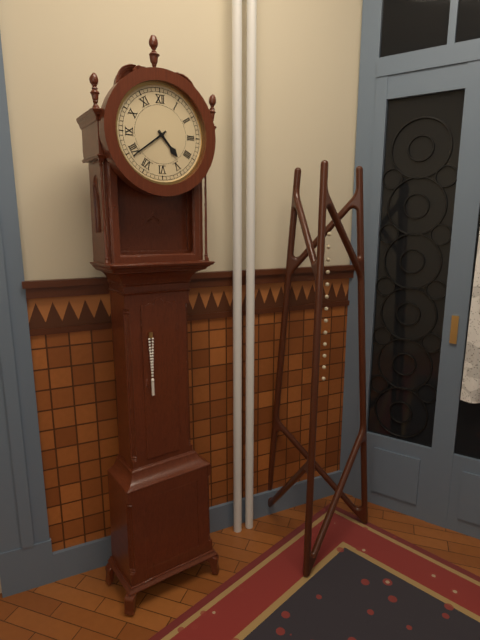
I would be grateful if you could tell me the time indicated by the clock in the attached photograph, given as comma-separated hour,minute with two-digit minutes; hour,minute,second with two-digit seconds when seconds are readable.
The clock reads 4,39
